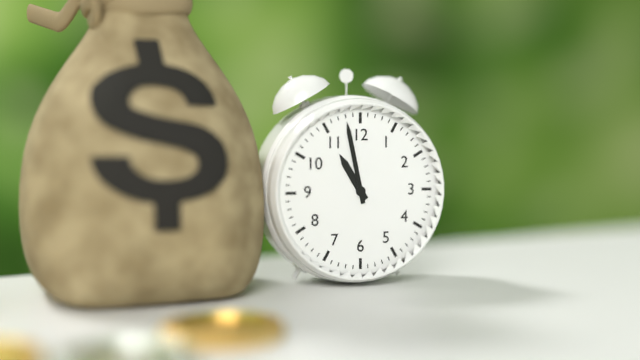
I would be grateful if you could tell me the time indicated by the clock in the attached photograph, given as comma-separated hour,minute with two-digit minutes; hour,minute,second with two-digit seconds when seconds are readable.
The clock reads 10,58
